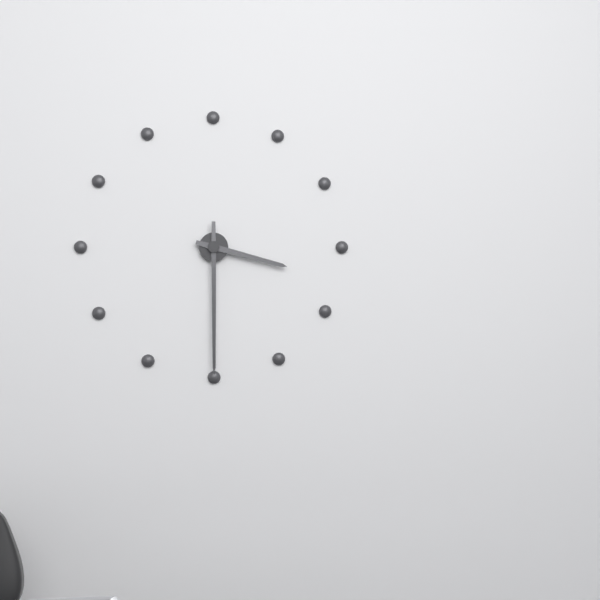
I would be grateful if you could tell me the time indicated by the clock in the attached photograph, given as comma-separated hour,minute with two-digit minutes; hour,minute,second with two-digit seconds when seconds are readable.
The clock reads 3,30
